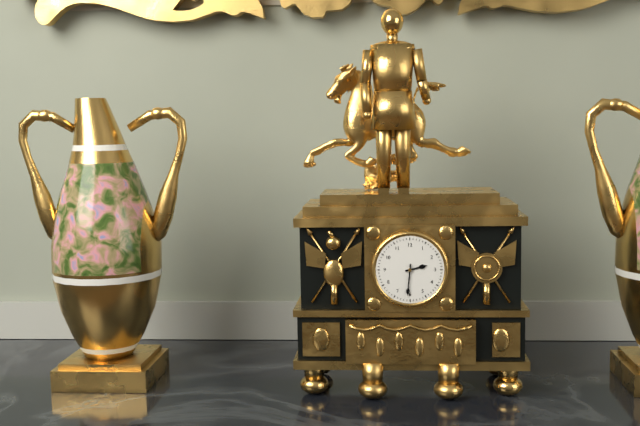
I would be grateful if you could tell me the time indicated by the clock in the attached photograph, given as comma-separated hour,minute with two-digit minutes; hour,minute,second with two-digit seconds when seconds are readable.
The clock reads 2,31
